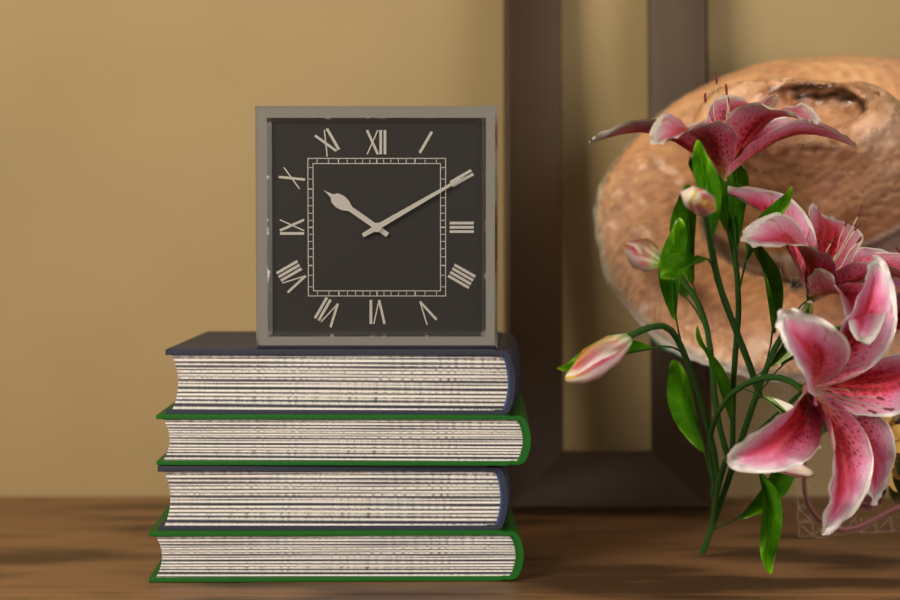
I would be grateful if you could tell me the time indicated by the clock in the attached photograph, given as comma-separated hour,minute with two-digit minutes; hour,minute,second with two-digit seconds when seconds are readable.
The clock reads 10,10
